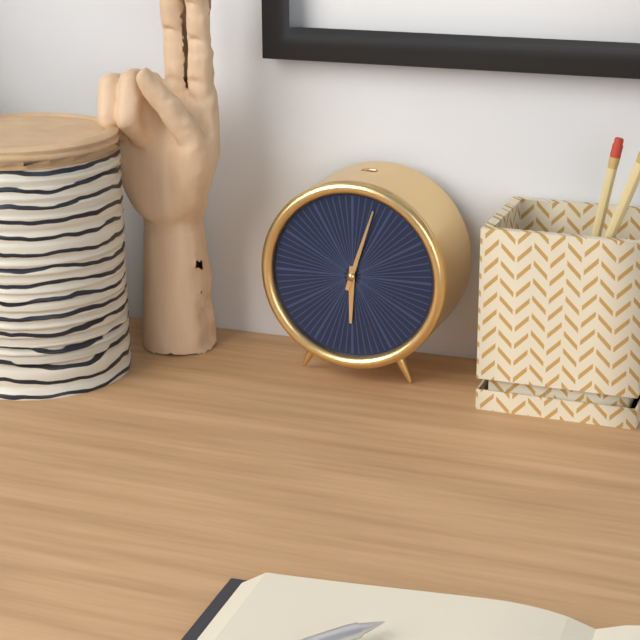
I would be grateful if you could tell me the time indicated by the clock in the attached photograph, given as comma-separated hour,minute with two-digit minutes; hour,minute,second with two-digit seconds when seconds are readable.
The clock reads 6,03
